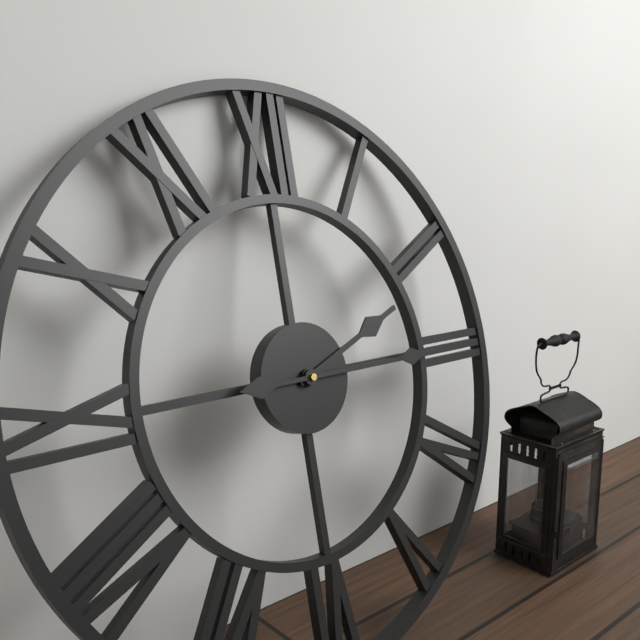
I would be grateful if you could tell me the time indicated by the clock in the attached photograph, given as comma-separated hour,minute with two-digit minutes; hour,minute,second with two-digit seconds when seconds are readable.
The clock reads 2,15
